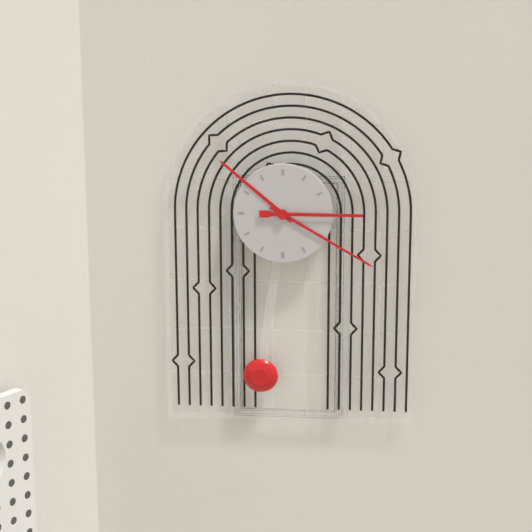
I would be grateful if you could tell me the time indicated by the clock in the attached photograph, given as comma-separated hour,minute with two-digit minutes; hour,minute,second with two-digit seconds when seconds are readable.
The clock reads 10,20,15
